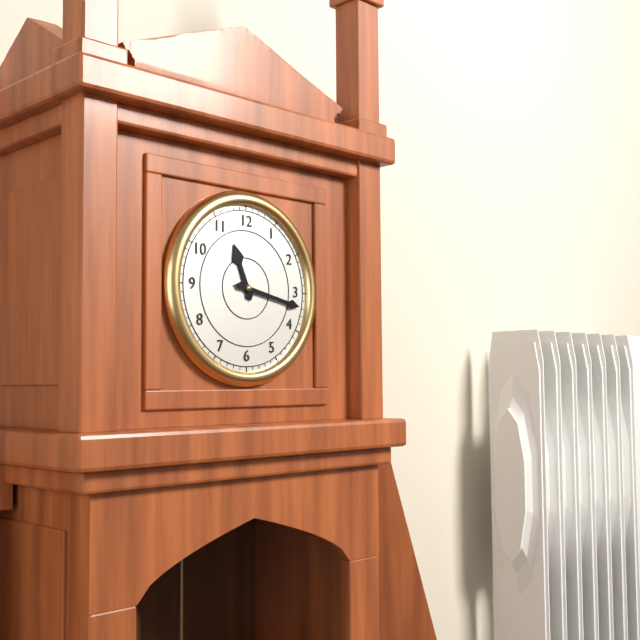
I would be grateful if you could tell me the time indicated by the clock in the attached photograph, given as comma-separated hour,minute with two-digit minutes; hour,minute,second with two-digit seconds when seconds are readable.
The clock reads 11,17
